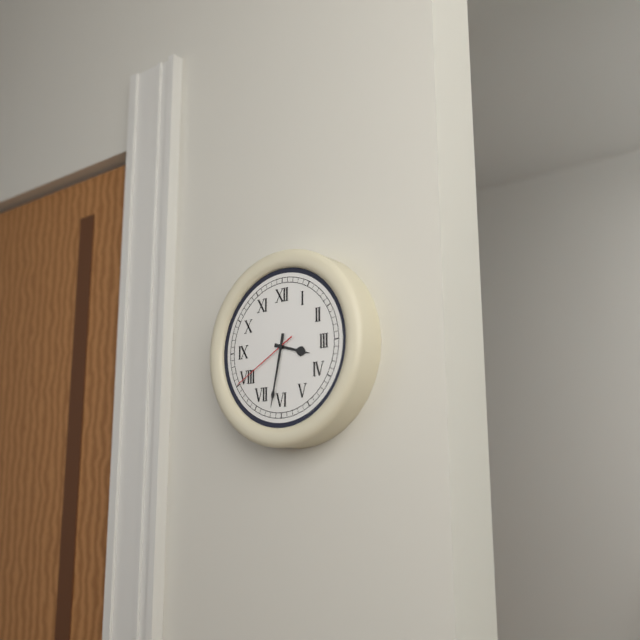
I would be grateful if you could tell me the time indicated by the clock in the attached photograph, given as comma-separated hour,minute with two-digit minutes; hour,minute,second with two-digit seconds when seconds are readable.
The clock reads 3,32,40
